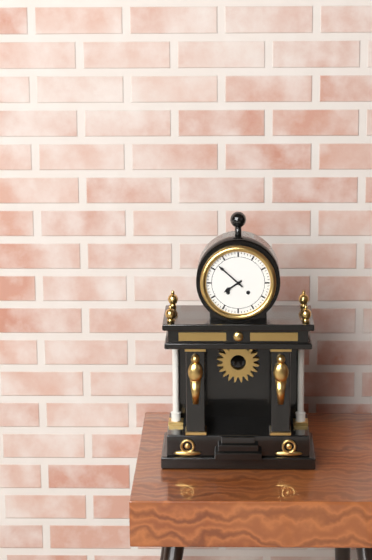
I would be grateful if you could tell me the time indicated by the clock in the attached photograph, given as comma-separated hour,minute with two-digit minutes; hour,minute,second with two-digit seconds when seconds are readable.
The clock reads 7,52
